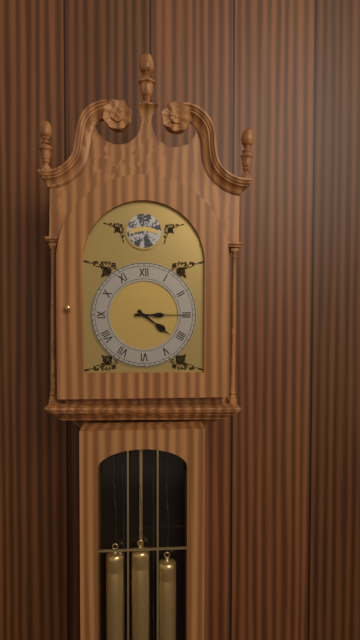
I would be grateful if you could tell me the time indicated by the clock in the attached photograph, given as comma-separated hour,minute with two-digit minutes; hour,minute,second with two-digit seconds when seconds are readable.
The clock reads 4,15
